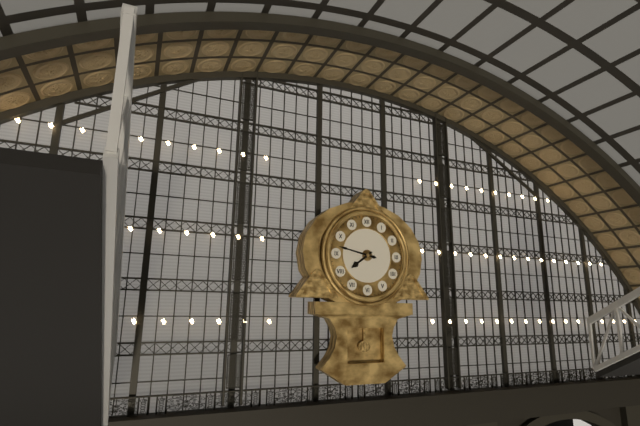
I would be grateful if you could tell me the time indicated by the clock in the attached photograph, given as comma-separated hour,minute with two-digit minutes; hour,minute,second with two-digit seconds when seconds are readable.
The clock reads 7,47
